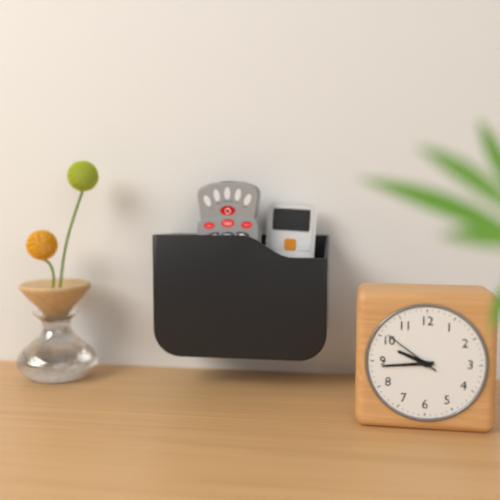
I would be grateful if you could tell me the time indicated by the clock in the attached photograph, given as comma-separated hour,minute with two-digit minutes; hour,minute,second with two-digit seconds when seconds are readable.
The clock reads 9,44,51
